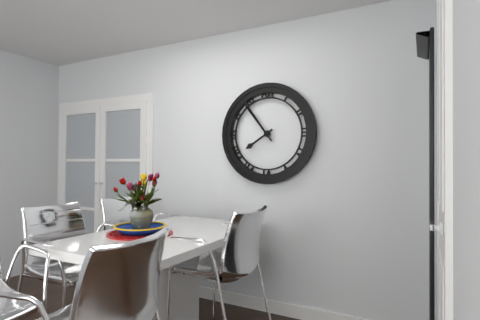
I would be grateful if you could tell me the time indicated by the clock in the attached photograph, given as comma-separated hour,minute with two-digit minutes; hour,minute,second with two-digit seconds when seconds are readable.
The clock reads 7,54
